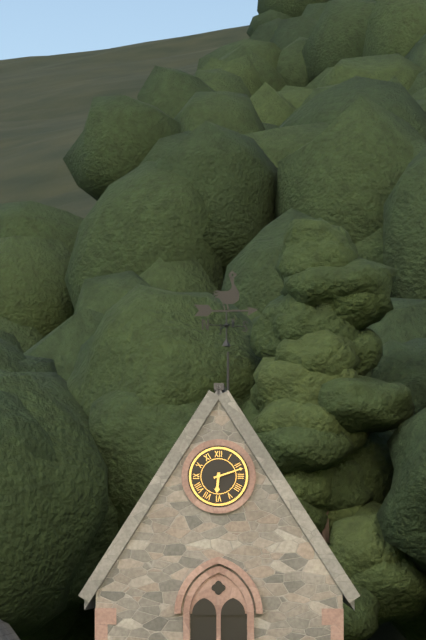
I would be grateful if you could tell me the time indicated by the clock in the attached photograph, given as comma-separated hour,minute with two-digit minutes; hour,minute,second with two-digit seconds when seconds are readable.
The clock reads 6,12
